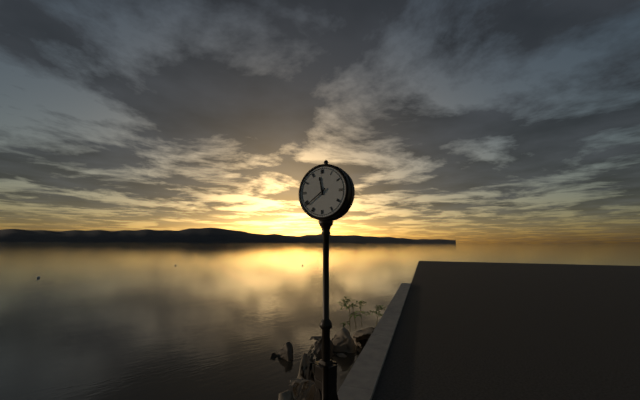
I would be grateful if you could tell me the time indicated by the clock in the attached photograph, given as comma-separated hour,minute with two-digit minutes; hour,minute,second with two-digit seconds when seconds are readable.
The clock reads 11,39
